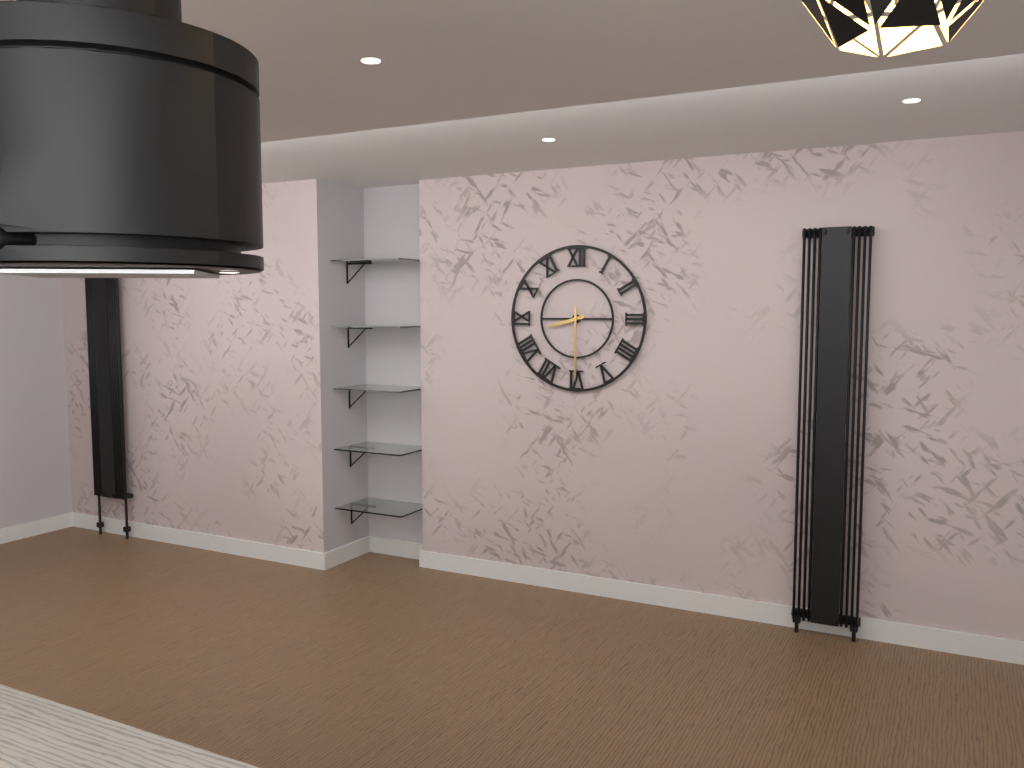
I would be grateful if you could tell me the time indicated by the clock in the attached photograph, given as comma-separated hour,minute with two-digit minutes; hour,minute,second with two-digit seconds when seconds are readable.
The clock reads 8,30
